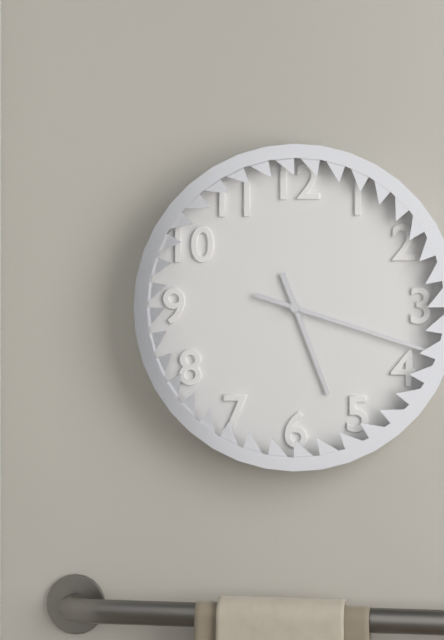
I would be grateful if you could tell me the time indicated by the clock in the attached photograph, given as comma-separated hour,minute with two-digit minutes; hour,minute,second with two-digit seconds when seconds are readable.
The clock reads 5,18
